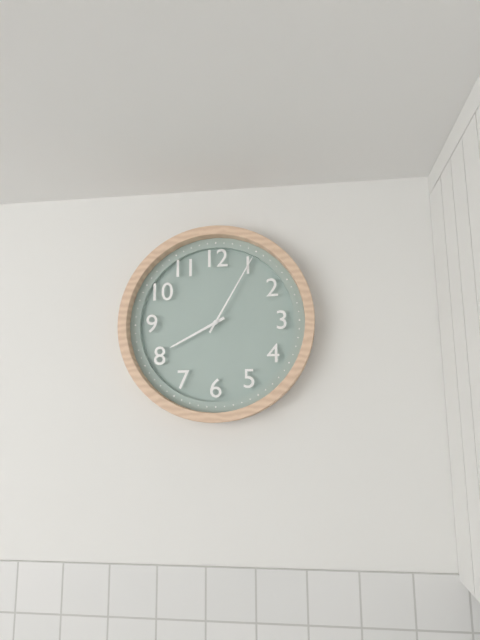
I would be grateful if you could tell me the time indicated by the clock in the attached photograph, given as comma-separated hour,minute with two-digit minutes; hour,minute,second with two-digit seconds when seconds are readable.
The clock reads 8,05
